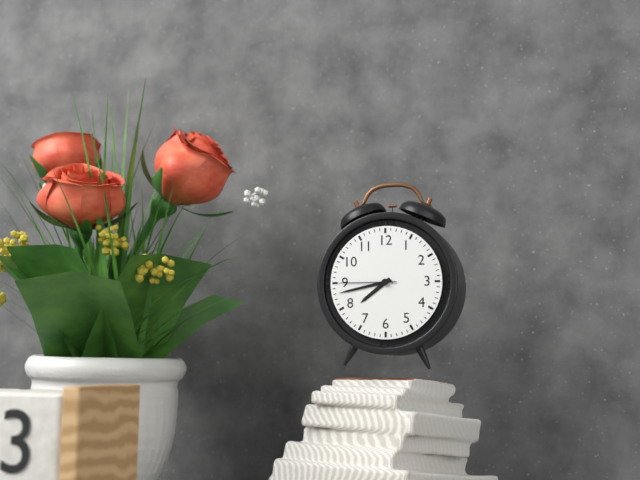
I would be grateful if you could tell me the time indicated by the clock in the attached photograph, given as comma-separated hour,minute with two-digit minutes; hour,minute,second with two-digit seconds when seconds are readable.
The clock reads 7,43,45
